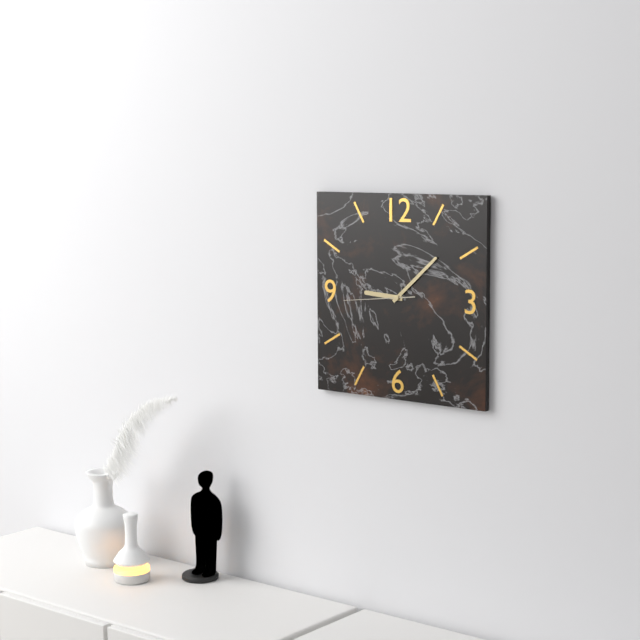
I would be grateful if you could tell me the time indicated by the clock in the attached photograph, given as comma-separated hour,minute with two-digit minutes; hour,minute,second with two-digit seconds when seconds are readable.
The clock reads 9,08,44
